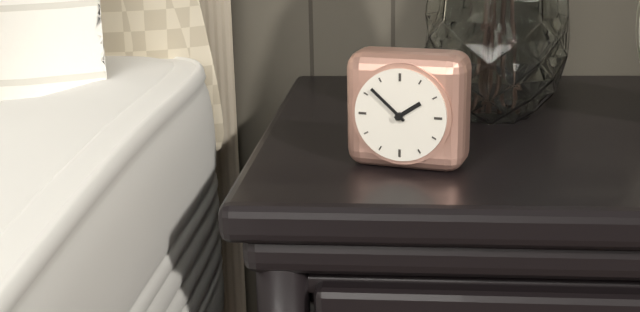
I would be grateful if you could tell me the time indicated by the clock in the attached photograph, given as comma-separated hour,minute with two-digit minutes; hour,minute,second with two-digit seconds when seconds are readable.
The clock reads 1,52
